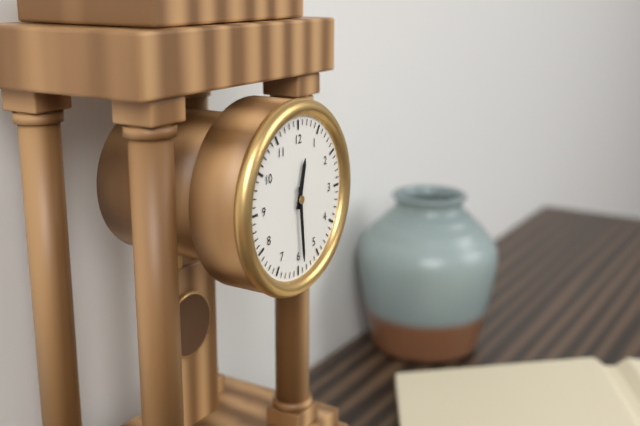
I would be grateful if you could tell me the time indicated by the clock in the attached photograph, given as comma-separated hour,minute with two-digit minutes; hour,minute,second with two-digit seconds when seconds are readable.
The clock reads 12,29
